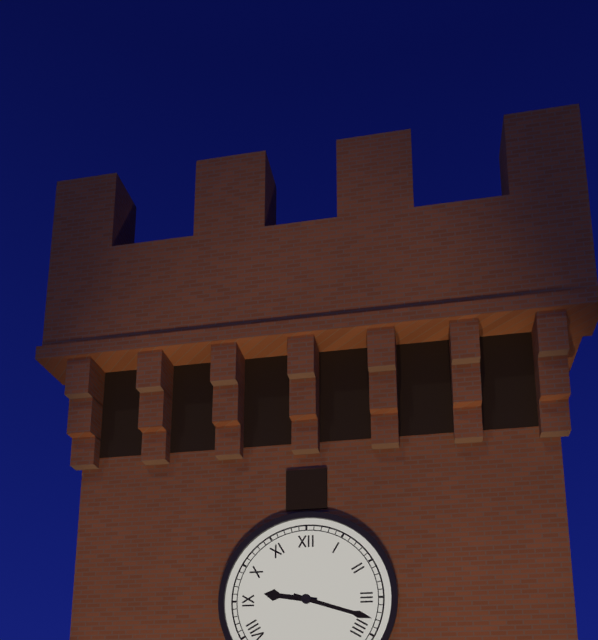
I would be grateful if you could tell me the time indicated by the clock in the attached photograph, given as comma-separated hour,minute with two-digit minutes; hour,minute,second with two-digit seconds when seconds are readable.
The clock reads 9,18
